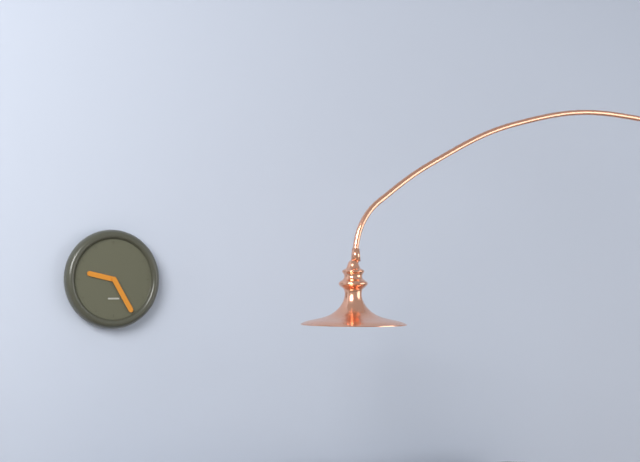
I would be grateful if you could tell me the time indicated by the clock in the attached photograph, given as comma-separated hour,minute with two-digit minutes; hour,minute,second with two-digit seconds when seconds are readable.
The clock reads 9,25
